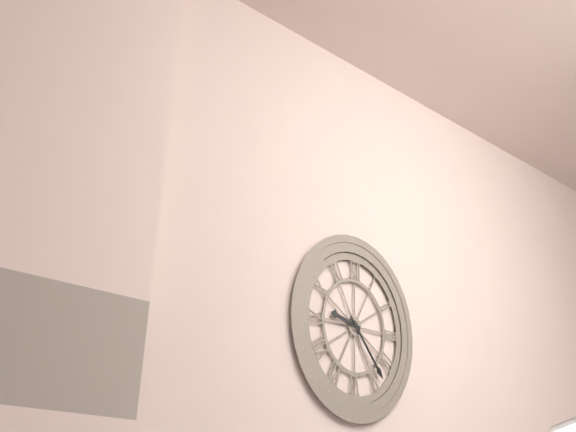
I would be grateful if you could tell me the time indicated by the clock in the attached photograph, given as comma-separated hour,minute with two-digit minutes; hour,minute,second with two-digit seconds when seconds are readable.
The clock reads 9,23
